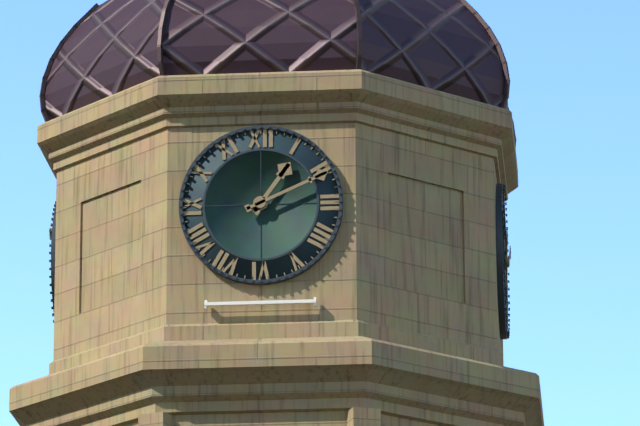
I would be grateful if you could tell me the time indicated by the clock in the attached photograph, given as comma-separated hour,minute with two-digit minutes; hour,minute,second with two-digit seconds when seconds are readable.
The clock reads 1,11
